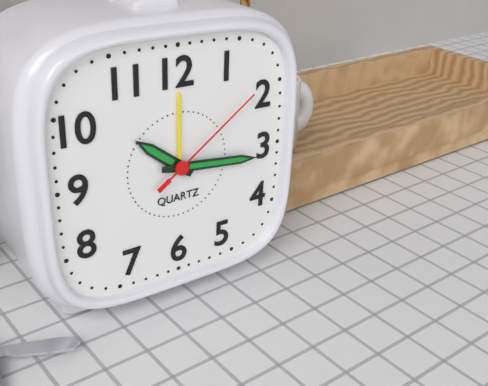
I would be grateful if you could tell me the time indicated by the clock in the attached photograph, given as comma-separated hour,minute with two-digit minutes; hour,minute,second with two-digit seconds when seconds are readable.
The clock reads 10,16,09
